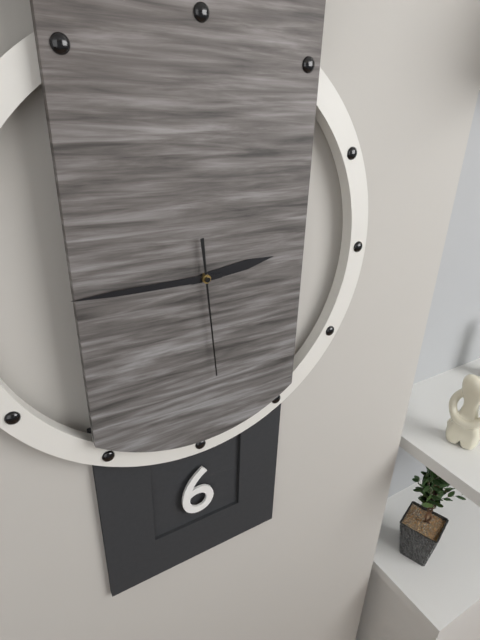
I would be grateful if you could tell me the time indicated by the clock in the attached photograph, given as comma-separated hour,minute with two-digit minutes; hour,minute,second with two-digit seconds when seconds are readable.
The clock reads 2,45,29
